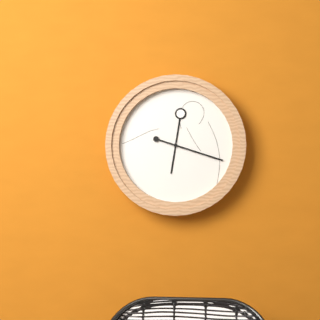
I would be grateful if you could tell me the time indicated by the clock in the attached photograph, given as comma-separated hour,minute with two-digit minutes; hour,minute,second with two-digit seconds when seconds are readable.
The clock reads 6,18
